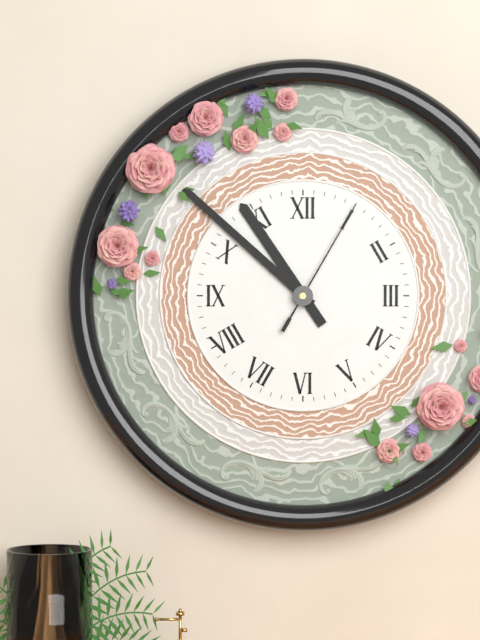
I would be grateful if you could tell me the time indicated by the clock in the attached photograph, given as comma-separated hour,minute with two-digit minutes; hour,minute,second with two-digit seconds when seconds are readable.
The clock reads 10,52,05
